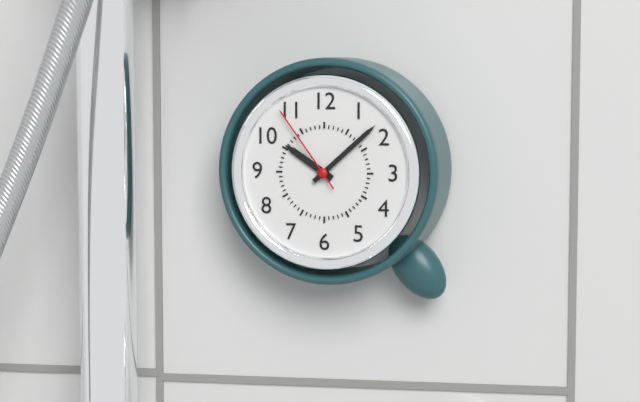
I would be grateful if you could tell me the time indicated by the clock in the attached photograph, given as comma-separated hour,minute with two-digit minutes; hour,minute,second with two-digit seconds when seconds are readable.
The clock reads 10,08,54
